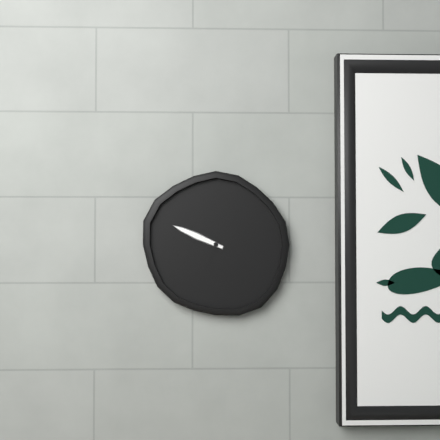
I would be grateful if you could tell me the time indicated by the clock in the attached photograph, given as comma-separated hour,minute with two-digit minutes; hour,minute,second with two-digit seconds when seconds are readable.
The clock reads 6,49
